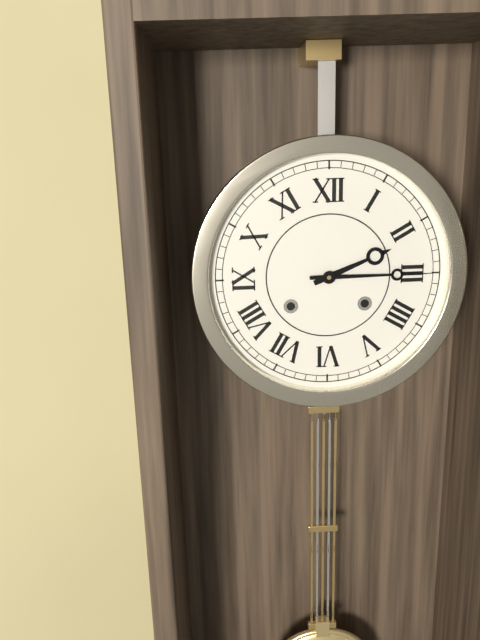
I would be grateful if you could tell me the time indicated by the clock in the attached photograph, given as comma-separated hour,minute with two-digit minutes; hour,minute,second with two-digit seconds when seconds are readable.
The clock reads 2,15
